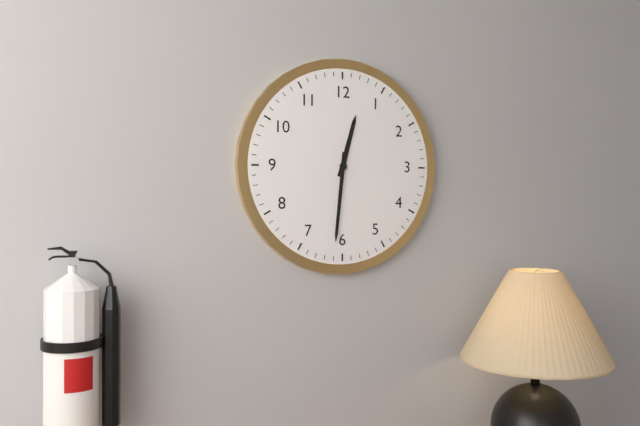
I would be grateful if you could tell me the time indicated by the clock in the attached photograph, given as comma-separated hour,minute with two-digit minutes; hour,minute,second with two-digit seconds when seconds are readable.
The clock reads 12,31
